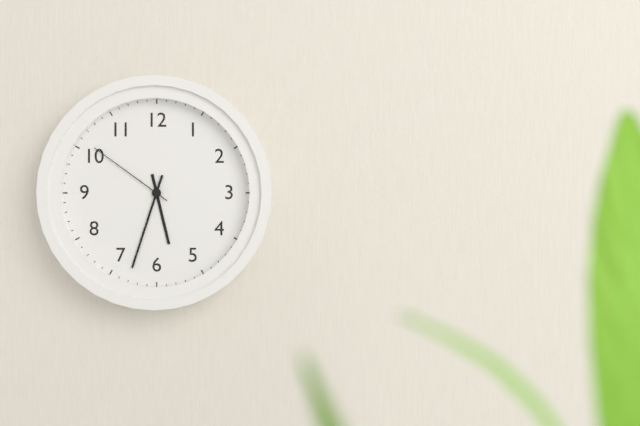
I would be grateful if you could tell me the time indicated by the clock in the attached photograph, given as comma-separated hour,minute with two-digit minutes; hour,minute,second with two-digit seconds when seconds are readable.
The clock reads 5,33,51
